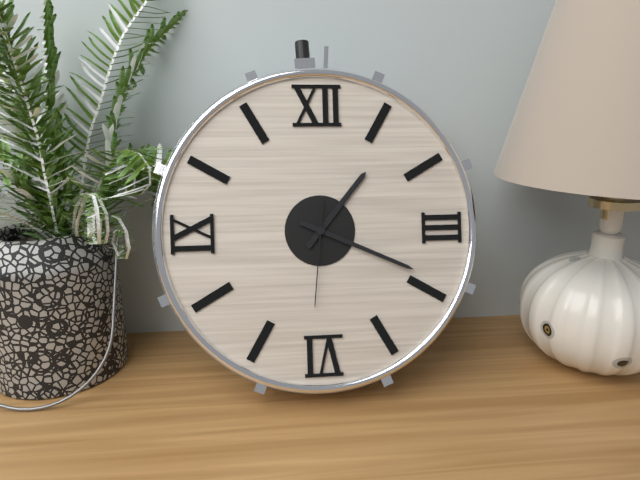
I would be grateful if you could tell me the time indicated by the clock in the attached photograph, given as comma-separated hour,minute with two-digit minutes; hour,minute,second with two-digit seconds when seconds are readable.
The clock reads 1,19,31
